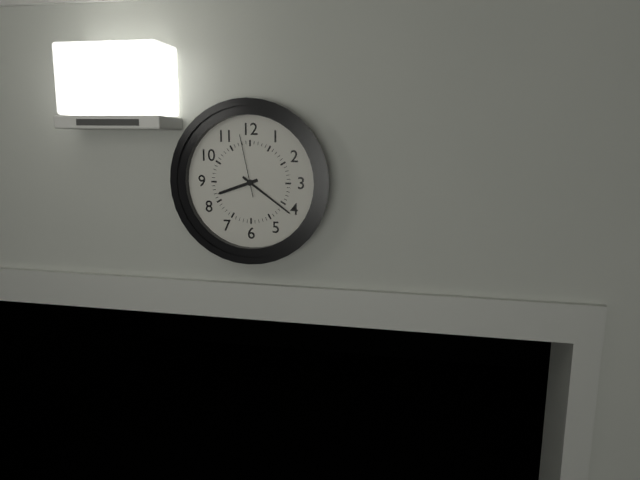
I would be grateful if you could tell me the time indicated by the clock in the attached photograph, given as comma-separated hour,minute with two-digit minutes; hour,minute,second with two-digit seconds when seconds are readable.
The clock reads 8,21,58
